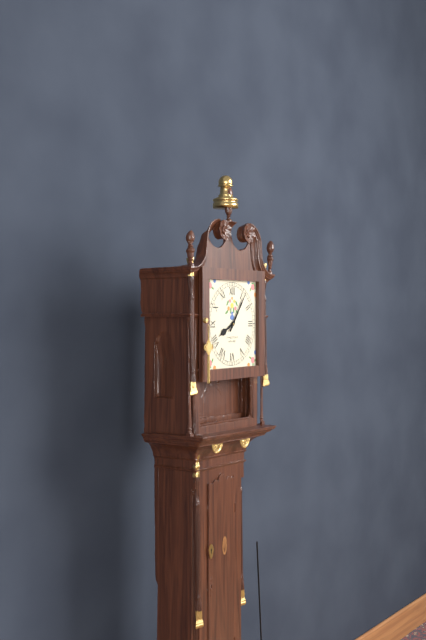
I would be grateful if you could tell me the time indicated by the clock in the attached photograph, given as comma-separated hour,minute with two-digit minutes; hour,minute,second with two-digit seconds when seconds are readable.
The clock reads 8,06
